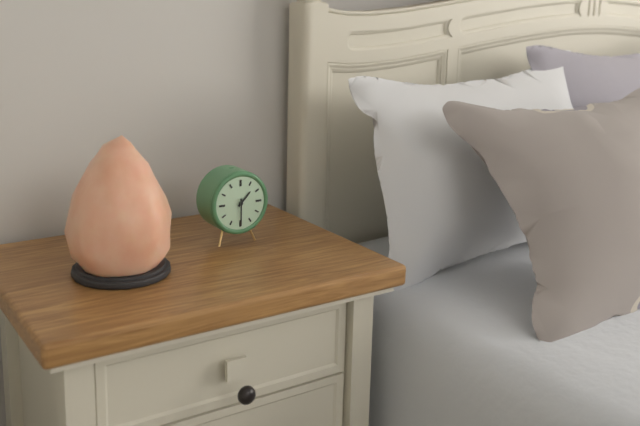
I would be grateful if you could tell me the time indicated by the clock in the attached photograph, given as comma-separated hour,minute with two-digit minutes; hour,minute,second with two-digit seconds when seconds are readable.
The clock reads 1,30
